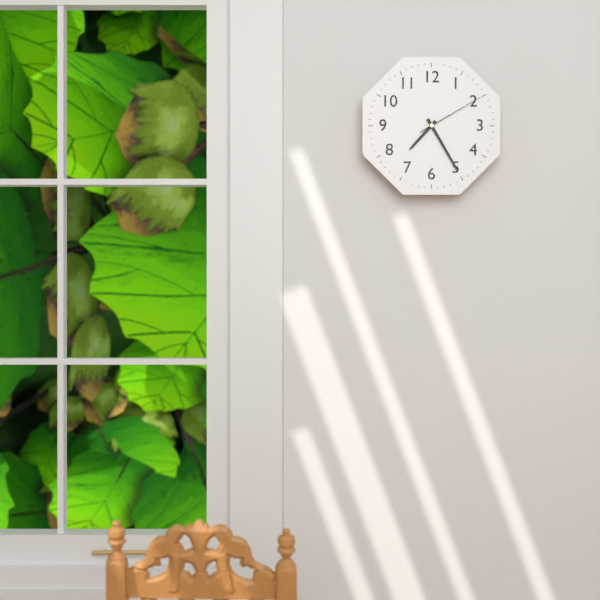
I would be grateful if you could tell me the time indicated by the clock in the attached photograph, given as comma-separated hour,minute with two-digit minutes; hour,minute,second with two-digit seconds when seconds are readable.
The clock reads 7,25,10
